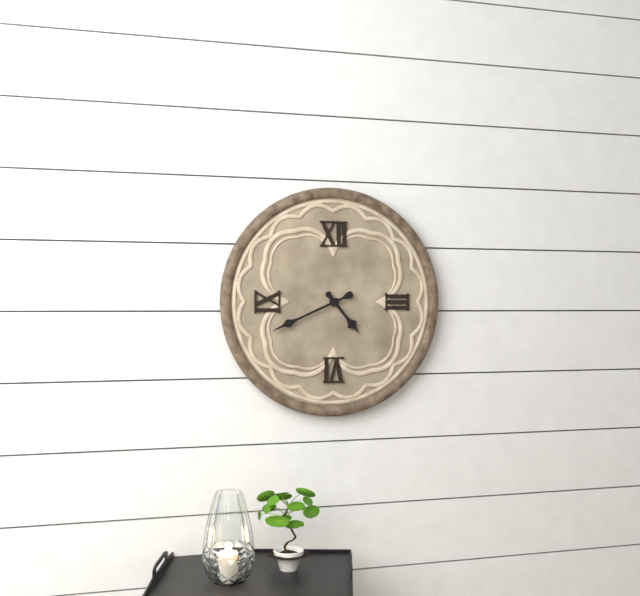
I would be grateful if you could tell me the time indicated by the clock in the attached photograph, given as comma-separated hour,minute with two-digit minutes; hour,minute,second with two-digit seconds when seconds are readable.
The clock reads 4,41
